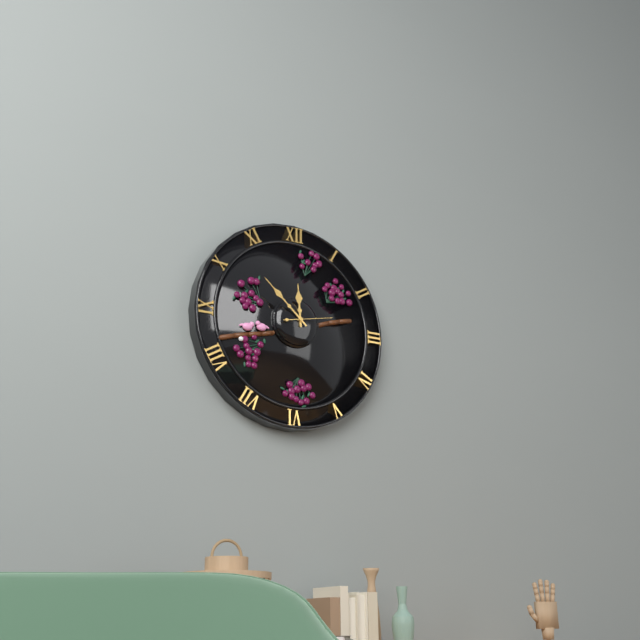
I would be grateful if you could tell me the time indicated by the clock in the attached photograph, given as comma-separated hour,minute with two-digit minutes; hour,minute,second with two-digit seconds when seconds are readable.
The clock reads 11,52
